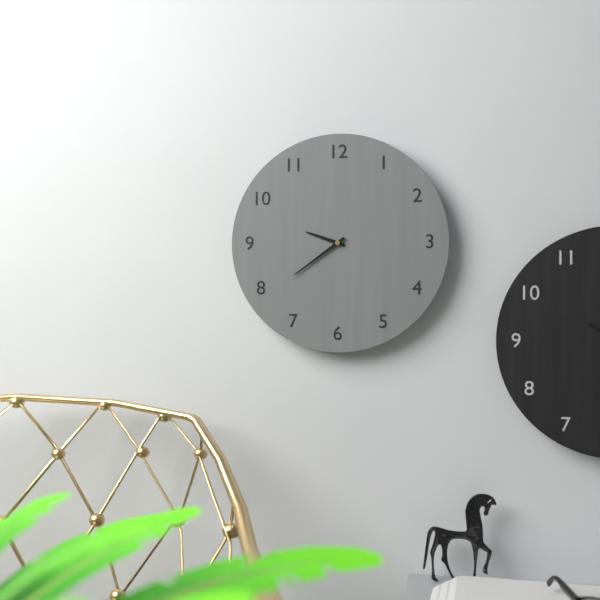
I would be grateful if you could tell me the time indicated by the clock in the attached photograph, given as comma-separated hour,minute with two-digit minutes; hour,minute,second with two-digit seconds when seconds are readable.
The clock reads 9,39
